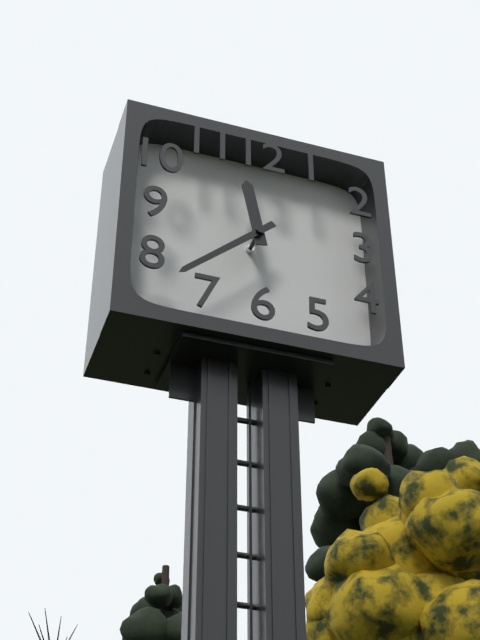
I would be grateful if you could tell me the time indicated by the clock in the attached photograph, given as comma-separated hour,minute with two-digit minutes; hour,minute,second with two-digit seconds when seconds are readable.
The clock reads 11,38
